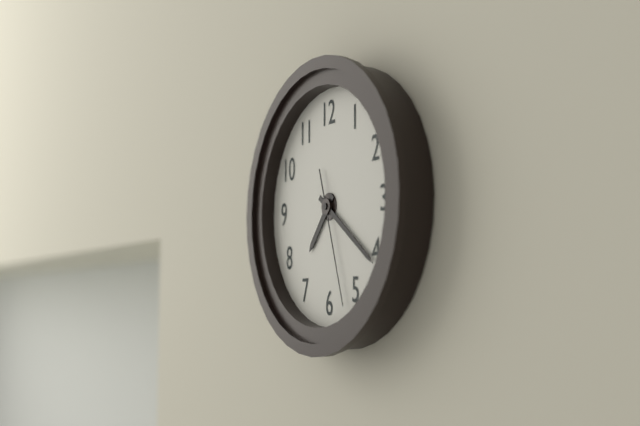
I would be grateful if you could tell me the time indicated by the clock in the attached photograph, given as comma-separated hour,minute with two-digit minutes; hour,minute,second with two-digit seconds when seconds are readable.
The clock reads 7,21,27
